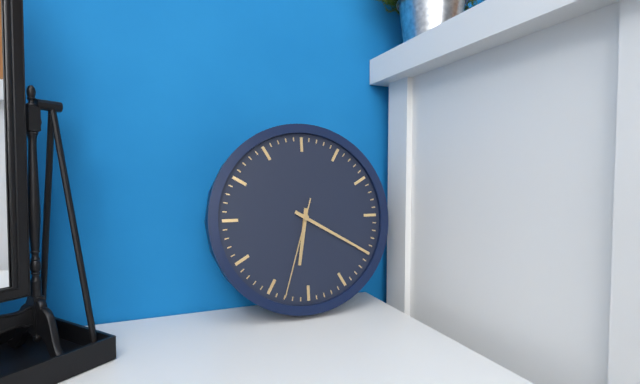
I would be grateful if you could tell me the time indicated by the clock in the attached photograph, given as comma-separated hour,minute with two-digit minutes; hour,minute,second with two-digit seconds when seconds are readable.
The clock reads 6,20,33
